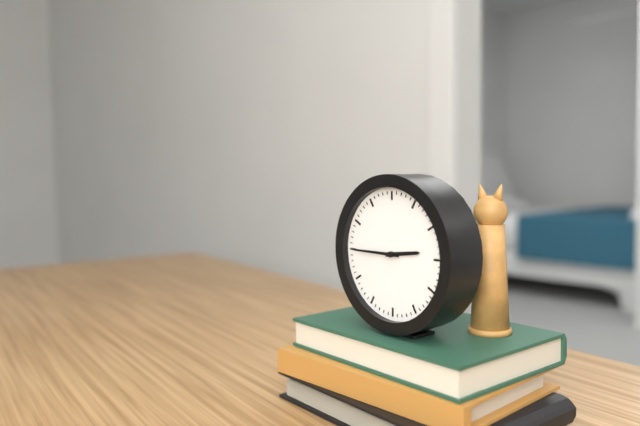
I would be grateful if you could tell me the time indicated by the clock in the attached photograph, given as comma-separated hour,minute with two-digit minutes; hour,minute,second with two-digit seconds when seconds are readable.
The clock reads 2,45
